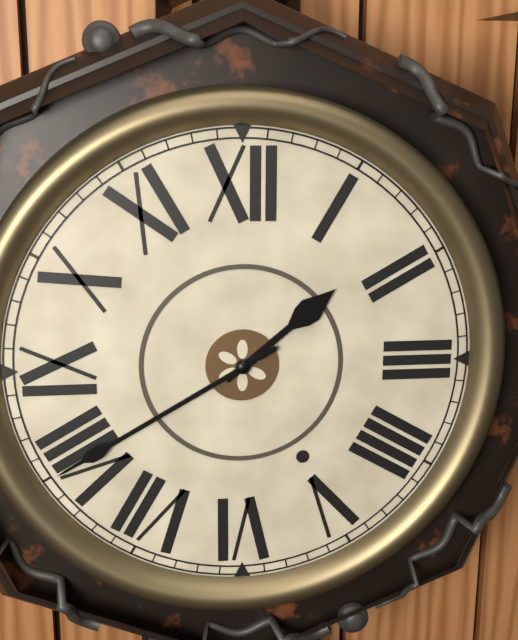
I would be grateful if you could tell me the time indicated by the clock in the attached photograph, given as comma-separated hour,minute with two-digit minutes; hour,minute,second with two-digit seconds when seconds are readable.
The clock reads 1,40
